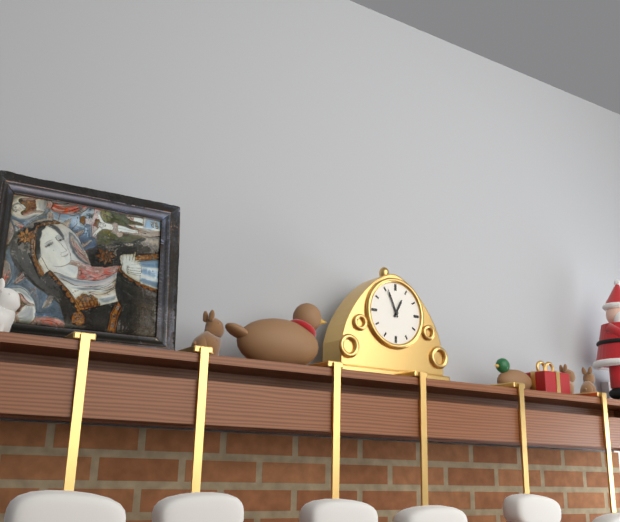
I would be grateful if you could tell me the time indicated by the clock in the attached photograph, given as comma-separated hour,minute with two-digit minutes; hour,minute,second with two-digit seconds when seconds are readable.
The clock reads 12,56
